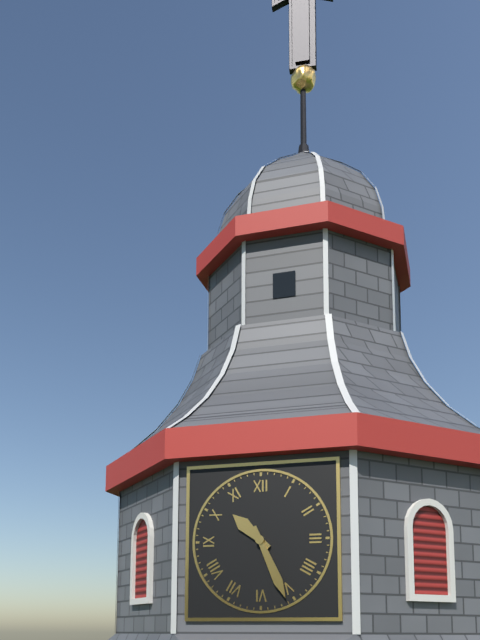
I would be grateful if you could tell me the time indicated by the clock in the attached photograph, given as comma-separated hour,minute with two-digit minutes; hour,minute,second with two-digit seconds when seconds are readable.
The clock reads 10,26
